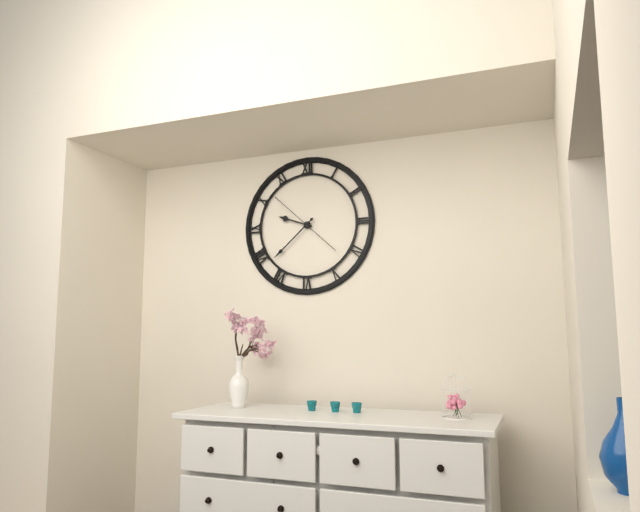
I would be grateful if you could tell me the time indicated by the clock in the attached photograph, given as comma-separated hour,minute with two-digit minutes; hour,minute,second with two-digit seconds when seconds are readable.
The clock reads 9,38,52
